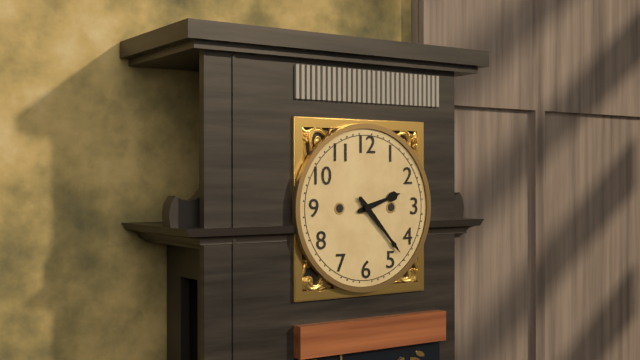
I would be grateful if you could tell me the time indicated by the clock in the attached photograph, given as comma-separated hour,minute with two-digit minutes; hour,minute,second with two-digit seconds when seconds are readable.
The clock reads 2,23
